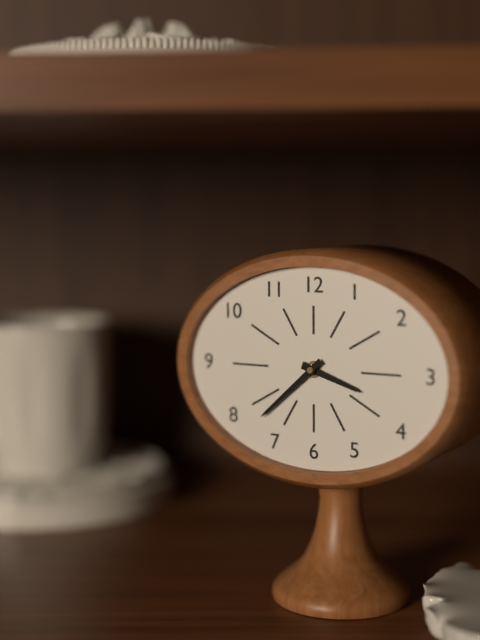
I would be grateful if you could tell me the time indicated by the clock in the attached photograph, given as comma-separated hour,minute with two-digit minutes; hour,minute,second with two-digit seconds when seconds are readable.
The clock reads 3,38
